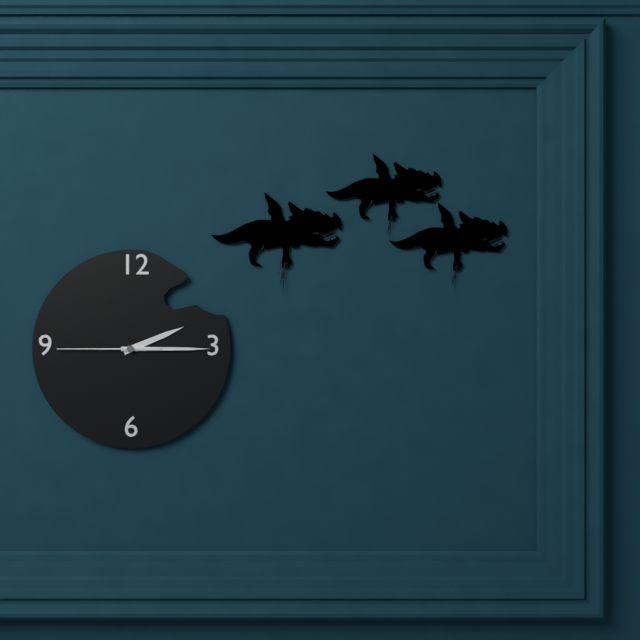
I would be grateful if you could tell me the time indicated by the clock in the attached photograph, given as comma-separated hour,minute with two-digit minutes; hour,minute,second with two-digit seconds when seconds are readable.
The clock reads 2,15,45
